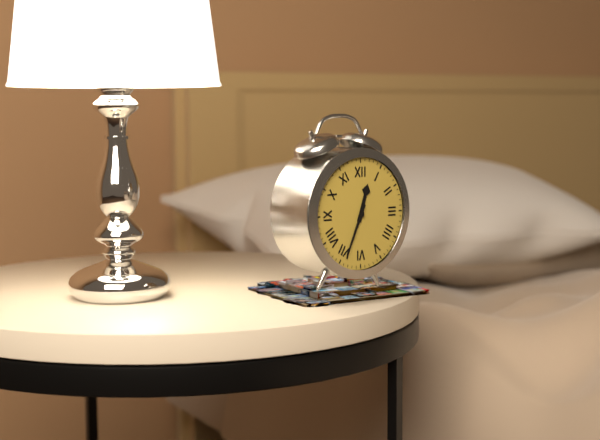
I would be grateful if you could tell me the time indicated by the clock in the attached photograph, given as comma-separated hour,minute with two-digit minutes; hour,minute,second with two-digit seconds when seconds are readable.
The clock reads 12,34
